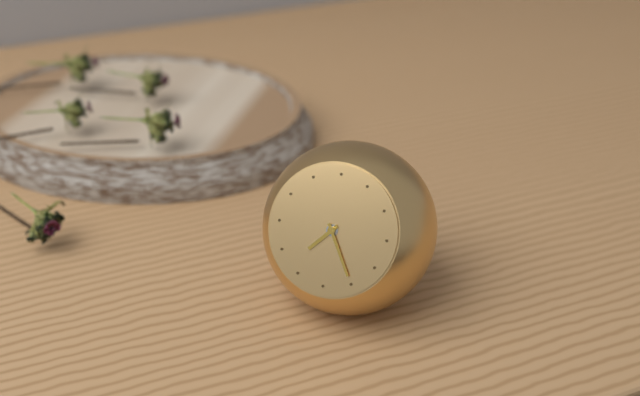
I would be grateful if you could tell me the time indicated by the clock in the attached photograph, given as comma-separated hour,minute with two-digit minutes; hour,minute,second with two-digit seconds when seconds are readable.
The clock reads 7,25
